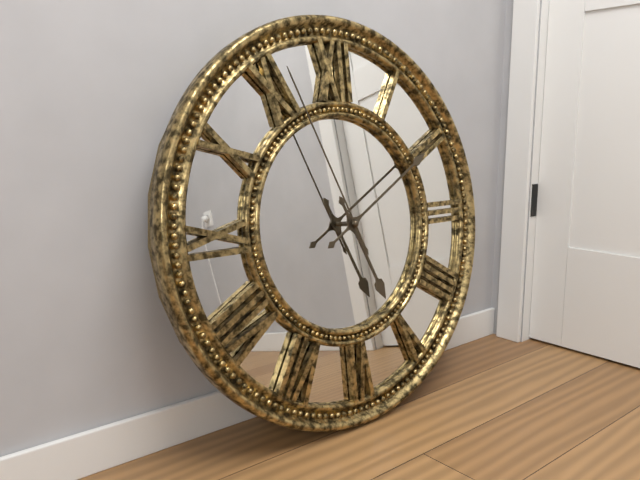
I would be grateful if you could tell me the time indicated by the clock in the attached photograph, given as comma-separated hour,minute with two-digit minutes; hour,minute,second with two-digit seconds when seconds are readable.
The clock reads 5,10,56
